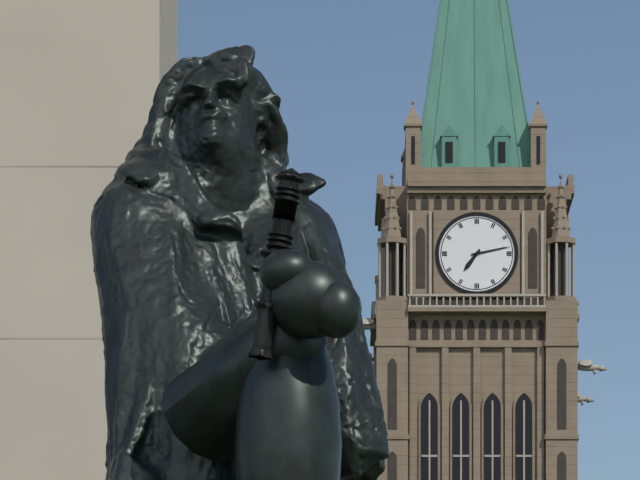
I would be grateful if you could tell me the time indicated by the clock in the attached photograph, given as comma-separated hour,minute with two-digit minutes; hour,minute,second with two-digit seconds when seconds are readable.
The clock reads 7,13
